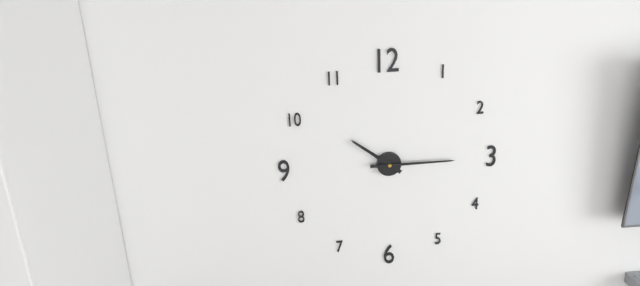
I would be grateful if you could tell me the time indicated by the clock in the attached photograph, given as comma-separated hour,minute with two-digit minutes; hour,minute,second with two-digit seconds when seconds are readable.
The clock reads 10,15
